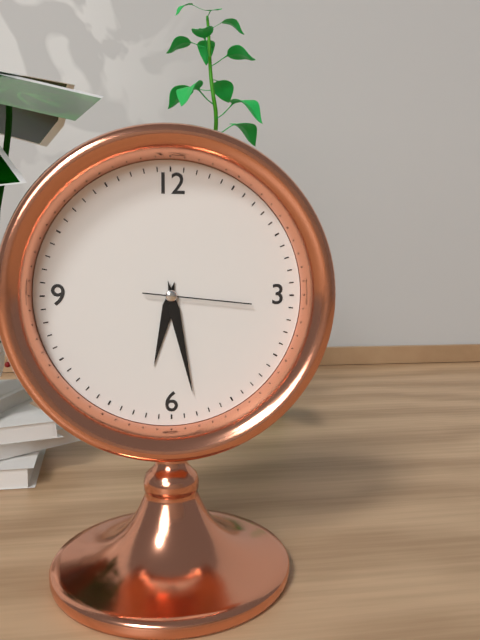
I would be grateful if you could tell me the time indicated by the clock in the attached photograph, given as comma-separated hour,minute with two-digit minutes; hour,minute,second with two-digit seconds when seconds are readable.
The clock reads 6,28,16
